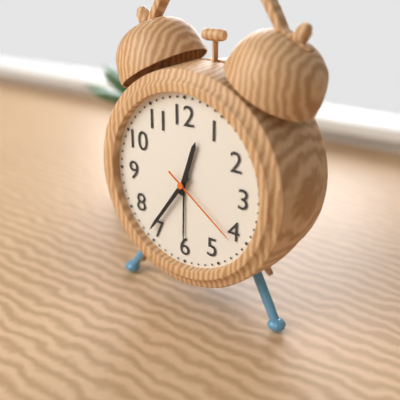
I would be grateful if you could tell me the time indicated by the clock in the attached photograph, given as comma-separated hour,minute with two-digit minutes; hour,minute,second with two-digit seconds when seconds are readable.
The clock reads 12,36,21
